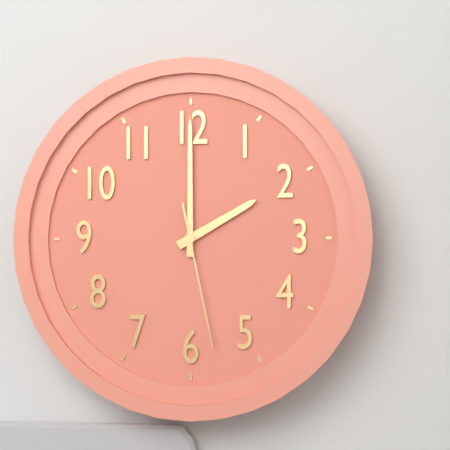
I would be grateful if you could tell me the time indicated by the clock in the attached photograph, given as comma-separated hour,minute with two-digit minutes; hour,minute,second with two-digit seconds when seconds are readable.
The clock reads 2,00,28
